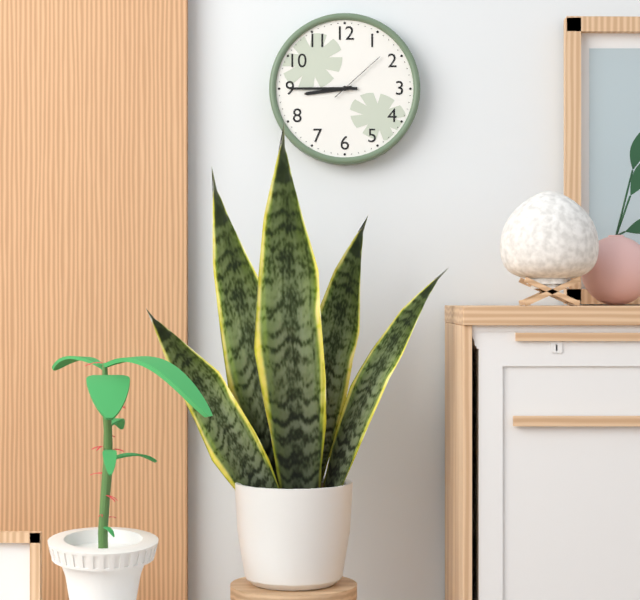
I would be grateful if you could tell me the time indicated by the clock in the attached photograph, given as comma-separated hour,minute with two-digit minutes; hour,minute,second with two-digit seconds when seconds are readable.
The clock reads 8,45,08
